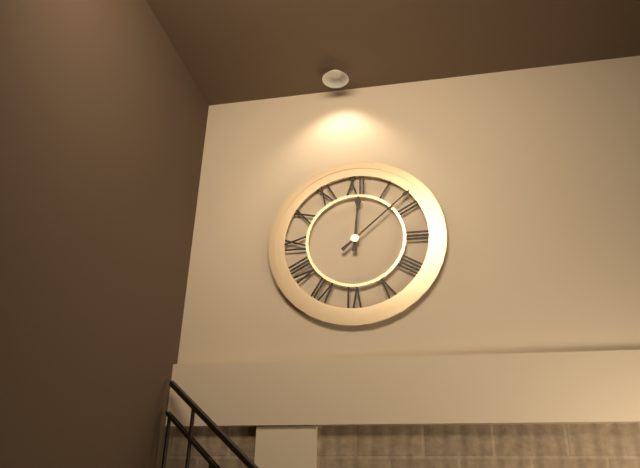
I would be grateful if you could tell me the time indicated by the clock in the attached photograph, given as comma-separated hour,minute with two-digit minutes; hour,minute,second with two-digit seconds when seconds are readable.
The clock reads 12,08
